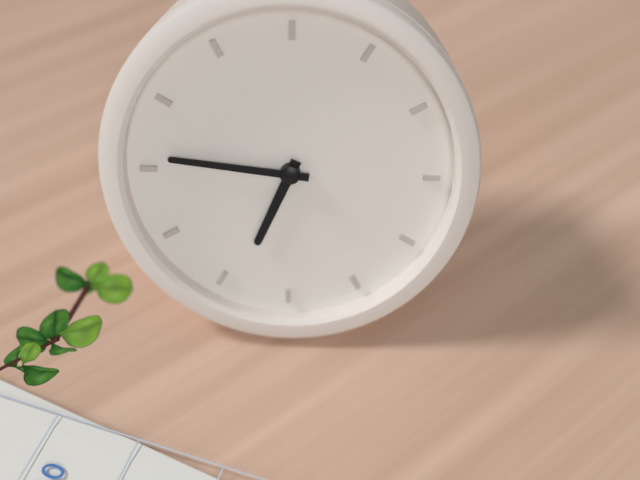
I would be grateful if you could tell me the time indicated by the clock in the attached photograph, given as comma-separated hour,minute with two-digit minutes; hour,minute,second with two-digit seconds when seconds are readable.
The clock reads 6,46
